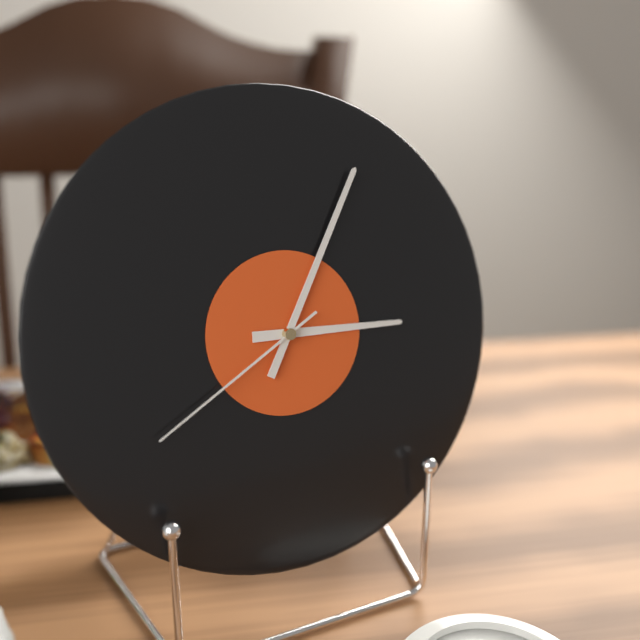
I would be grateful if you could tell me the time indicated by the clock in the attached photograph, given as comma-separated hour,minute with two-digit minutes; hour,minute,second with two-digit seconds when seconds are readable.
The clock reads 3,05,40
